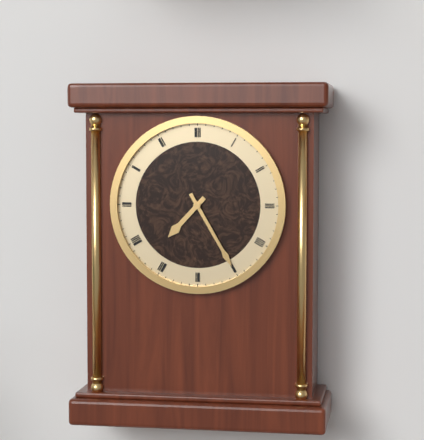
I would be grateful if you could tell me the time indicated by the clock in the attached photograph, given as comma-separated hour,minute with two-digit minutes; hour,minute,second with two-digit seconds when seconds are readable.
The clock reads 7,25
